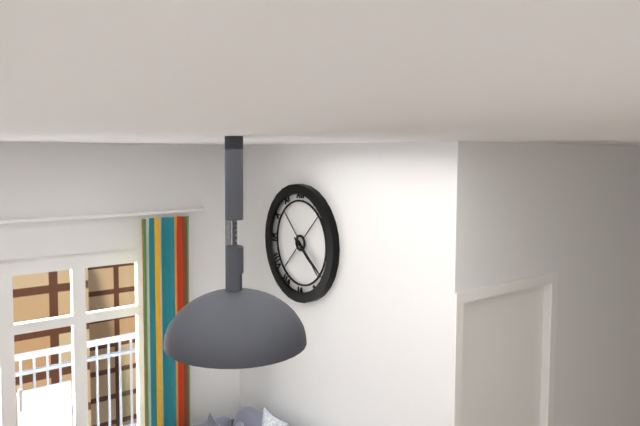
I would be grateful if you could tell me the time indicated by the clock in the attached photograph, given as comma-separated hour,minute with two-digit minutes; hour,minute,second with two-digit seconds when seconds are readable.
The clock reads 4,21
